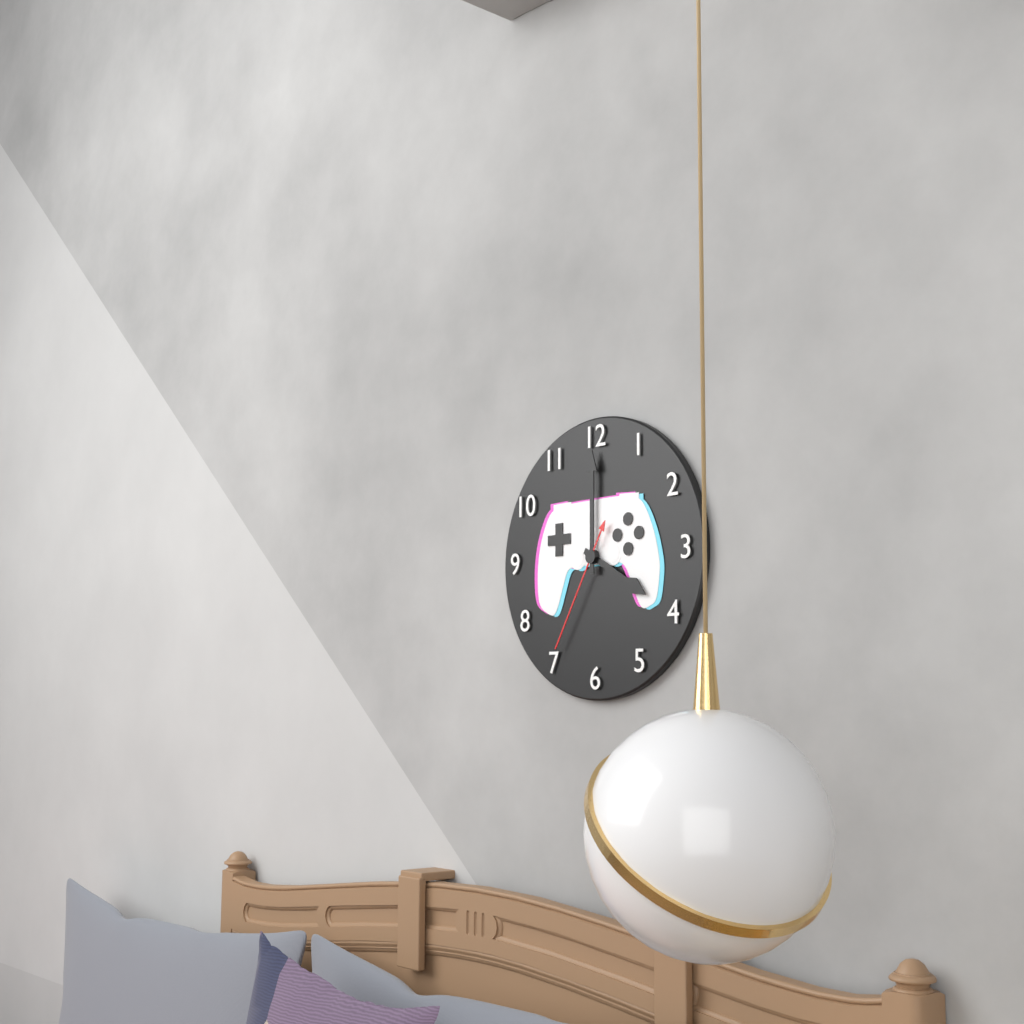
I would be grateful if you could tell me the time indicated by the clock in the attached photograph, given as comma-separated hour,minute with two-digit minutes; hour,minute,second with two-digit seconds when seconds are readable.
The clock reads 4,00,35
